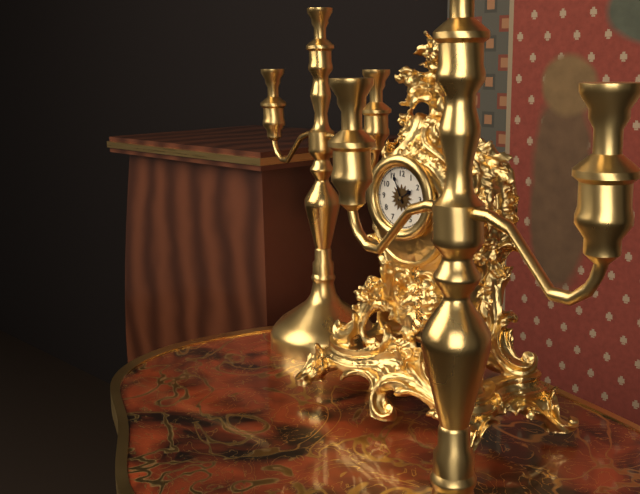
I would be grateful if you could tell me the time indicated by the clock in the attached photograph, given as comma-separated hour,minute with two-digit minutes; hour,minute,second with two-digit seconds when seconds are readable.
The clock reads 1,56
